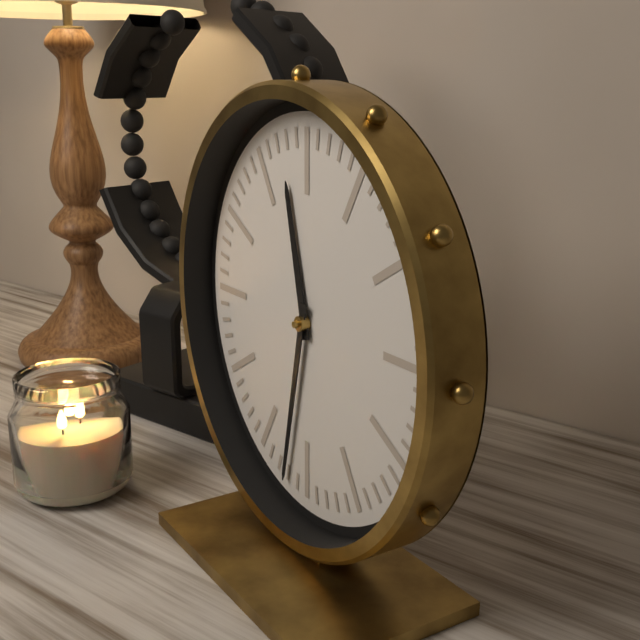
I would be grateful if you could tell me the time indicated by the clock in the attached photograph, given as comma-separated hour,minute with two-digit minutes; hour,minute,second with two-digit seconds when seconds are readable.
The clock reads 11,32
